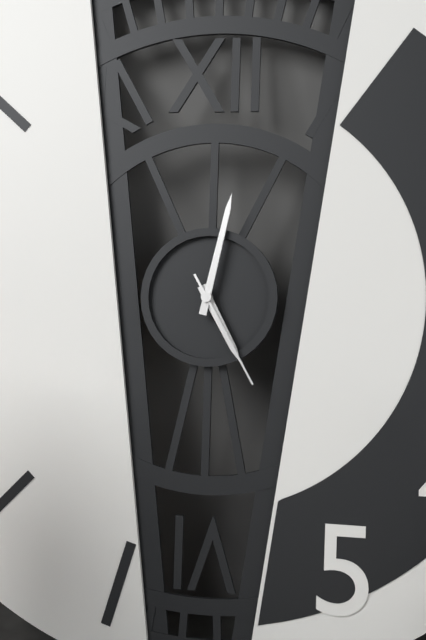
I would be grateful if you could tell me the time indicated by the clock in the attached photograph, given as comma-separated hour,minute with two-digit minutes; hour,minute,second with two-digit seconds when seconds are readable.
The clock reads 5,02,25
